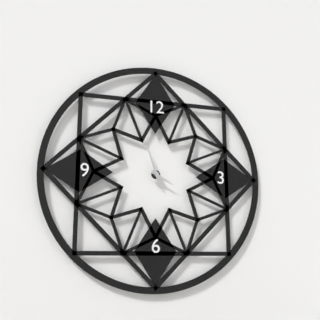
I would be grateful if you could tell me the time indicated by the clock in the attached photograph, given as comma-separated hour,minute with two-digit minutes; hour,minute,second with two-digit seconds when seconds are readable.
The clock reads 3,57
